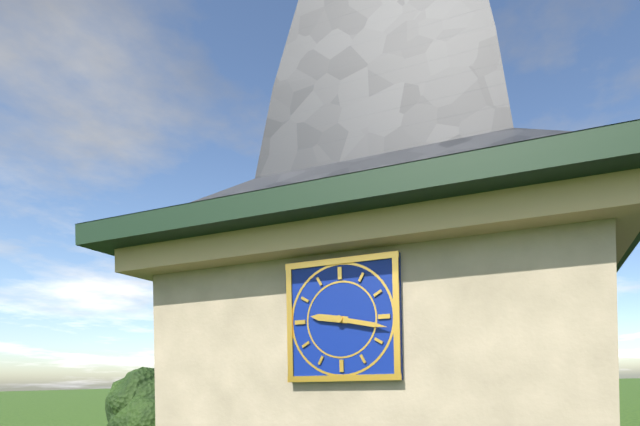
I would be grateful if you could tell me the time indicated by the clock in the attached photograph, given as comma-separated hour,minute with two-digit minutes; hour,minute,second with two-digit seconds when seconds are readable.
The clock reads 9,17
